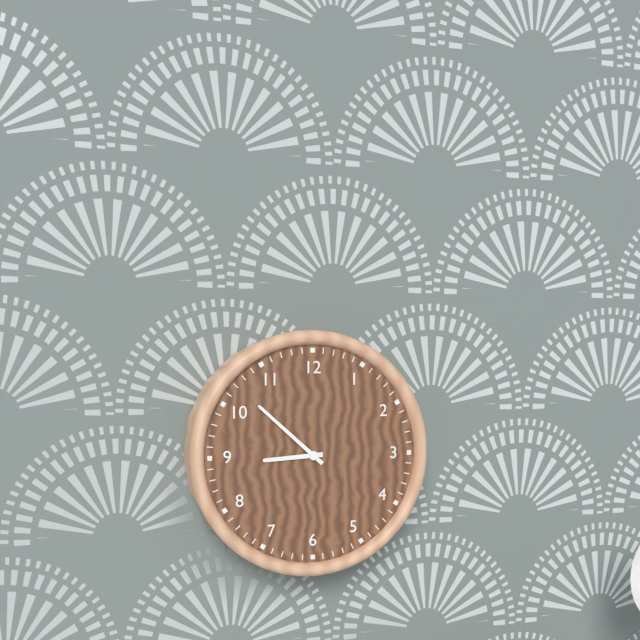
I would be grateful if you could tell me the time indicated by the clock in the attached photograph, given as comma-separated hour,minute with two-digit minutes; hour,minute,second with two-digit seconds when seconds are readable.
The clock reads 8,52
